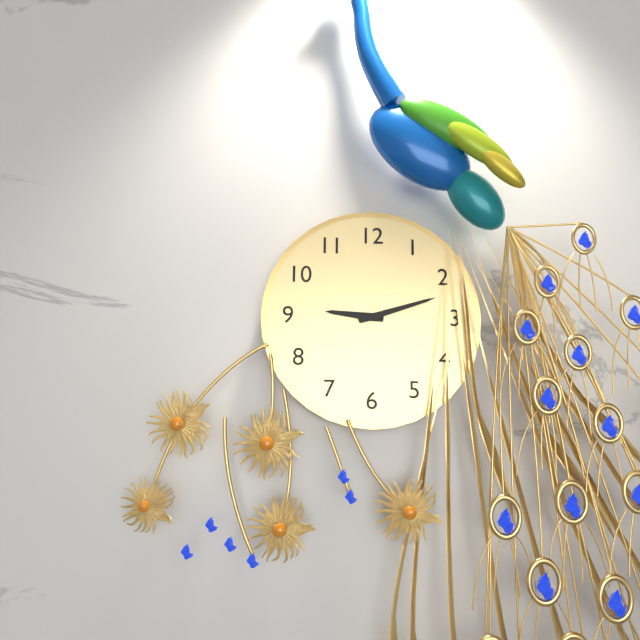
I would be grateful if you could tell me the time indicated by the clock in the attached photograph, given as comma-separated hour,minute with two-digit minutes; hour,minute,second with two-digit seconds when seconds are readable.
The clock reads 9,12
